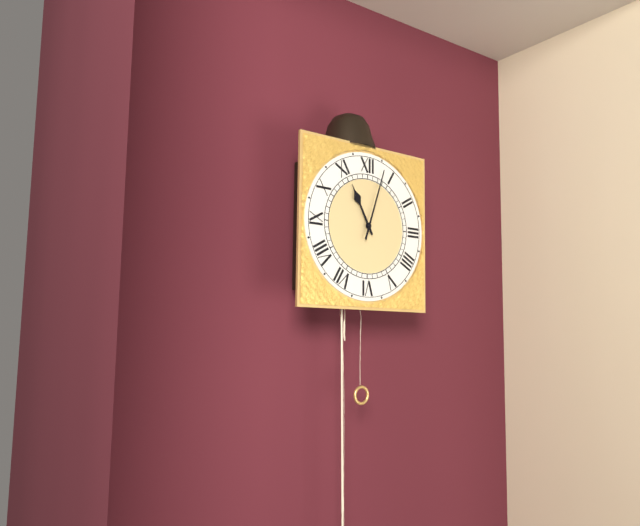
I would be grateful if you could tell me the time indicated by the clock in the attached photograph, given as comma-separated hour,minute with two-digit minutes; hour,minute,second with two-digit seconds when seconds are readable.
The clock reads 11,03
